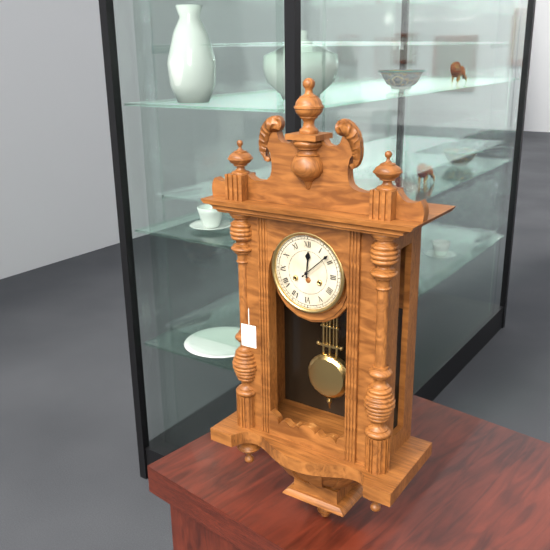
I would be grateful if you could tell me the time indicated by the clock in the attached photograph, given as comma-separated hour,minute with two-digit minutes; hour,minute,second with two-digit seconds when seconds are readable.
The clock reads 12,08
